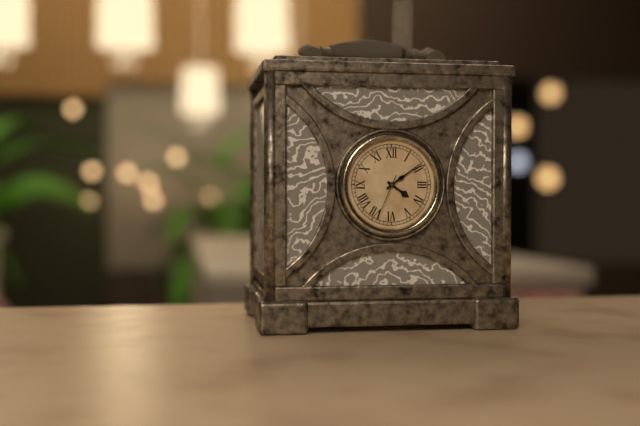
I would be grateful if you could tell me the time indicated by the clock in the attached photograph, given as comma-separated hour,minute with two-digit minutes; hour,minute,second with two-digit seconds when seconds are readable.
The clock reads 4,09
